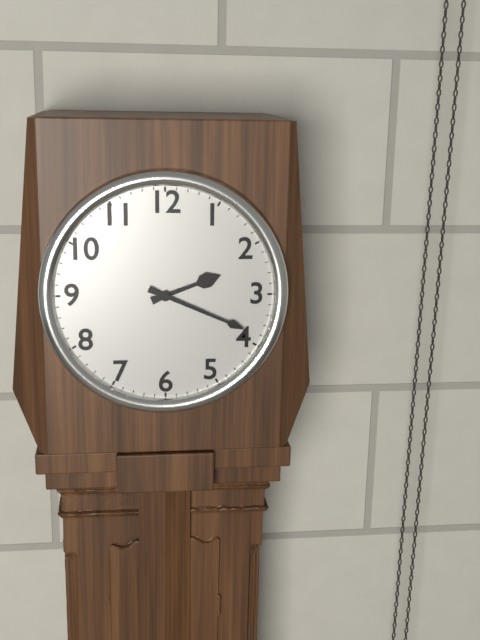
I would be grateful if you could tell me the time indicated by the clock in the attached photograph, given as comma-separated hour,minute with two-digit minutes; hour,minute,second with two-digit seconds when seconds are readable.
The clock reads 2,19
